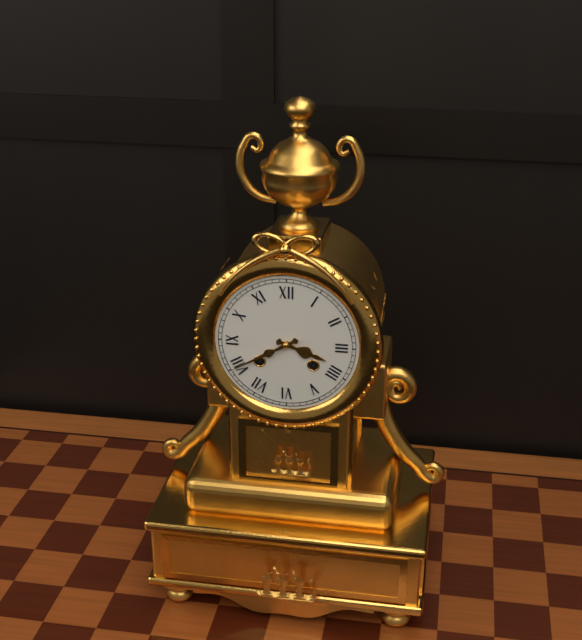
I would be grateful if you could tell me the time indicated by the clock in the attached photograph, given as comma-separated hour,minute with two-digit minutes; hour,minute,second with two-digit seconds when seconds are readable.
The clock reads 3,40
